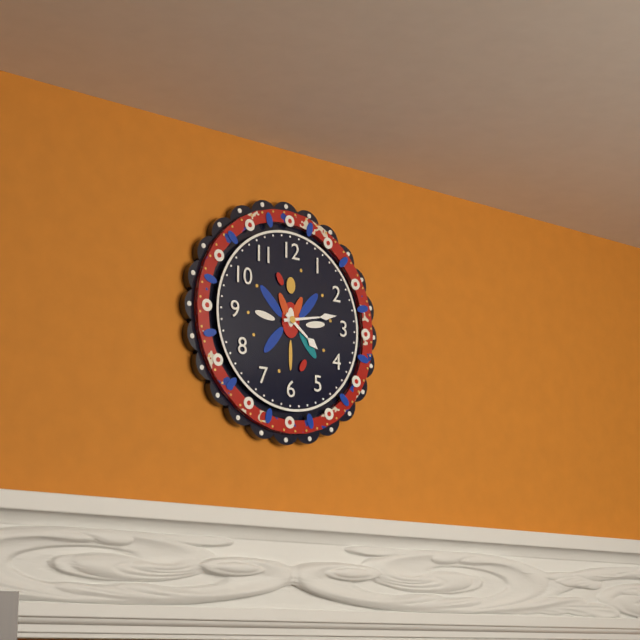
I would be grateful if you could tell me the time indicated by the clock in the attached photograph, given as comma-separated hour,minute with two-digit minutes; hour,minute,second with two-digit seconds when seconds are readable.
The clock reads 4,13
